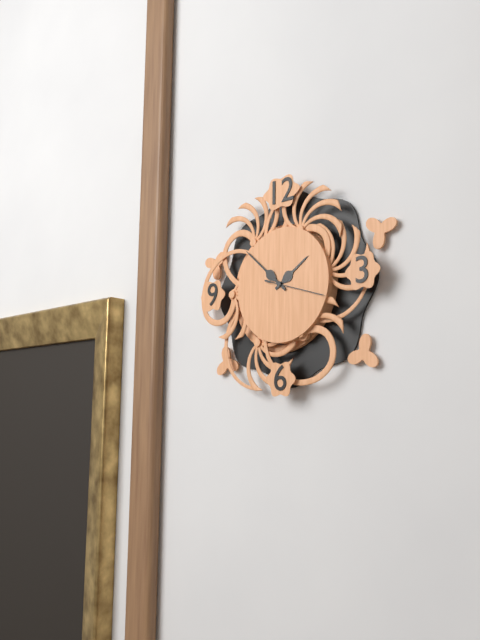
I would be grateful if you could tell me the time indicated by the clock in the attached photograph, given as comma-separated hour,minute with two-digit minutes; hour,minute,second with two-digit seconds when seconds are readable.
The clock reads 1,52,18
